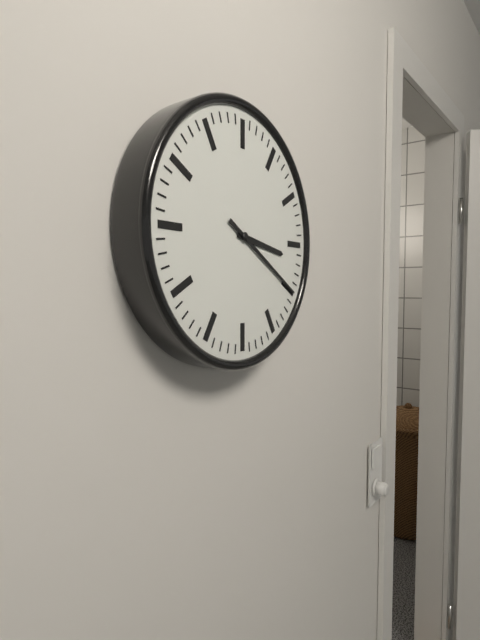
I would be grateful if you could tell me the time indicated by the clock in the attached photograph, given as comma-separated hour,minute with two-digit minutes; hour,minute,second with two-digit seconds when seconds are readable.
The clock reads 3,20
